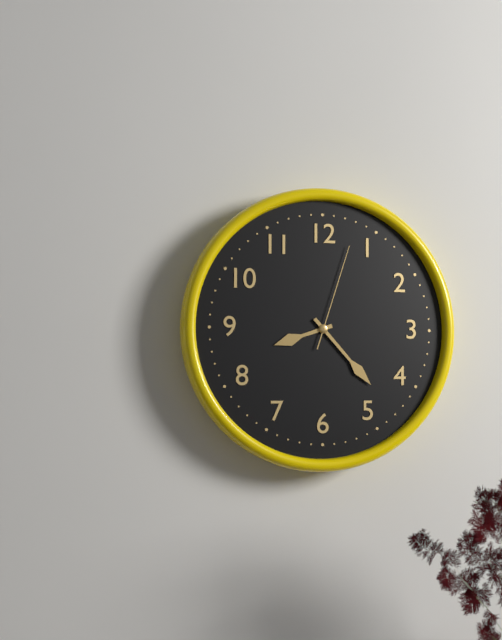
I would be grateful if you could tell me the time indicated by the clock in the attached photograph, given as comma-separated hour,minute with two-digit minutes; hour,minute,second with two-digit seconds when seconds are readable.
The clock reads 8,23,03
